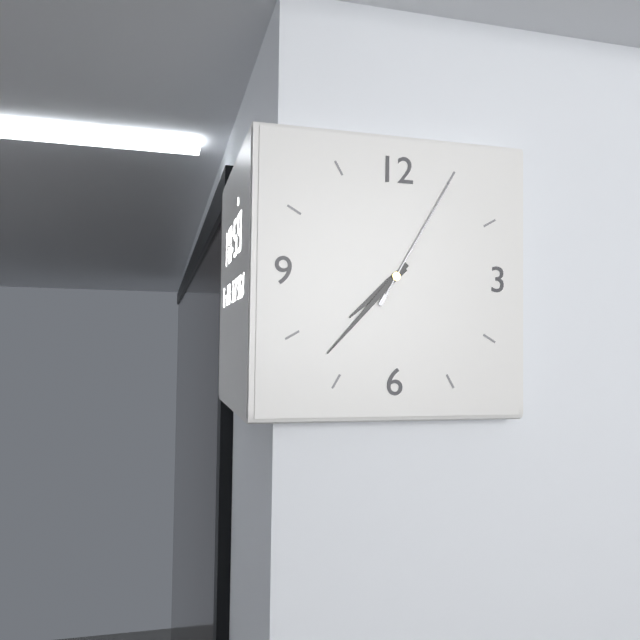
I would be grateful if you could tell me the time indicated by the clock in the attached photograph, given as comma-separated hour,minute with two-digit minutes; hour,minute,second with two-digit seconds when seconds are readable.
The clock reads 7,37,05
